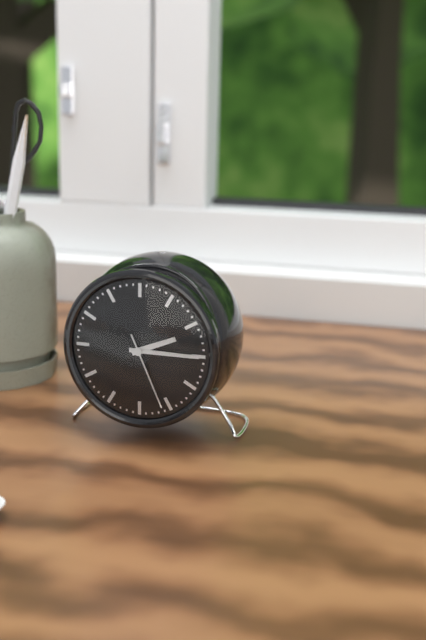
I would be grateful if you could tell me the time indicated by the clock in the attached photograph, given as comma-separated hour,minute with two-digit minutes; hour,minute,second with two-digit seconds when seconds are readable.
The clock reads 2,15,26
